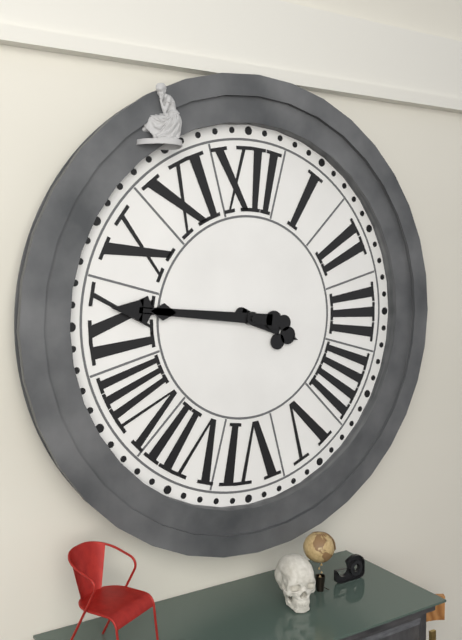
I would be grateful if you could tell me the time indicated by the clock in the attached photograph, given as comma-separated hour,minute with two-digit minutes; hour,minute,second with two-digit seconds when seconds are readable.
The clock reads 3,46
